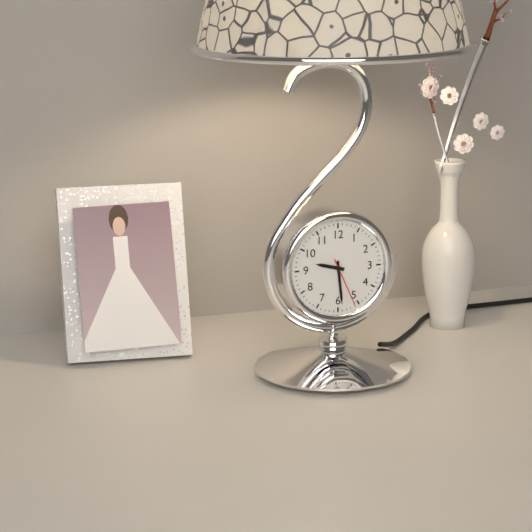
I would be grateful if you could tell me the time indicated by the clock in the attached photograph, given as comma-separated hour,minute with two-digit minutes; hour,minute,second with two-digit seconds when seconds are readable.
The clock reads 9,29
